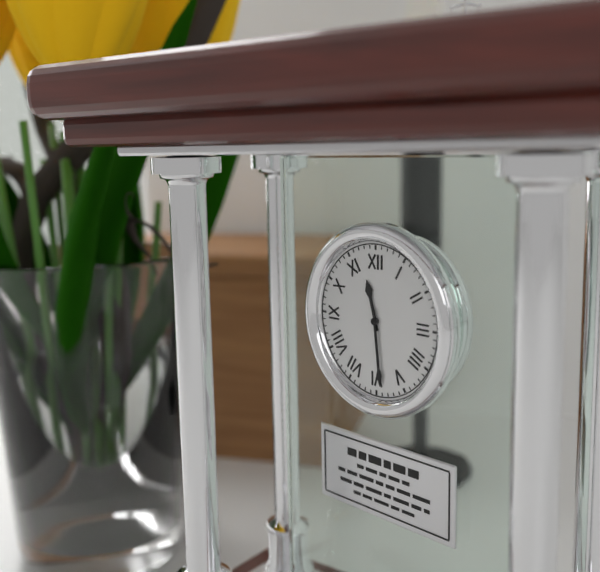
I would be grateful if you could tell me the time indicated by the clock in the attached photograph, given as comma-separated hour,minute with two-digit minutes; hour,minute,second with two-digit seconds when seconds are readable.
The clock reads 11,29
